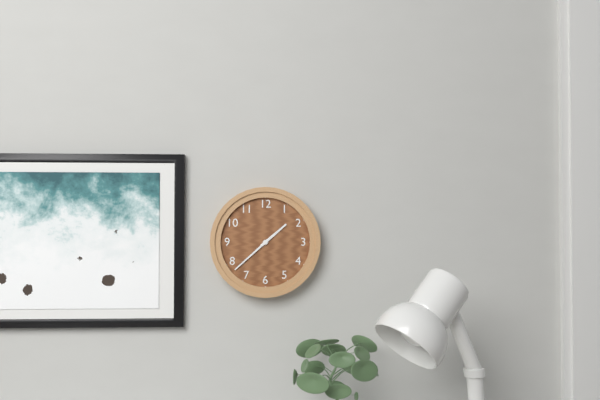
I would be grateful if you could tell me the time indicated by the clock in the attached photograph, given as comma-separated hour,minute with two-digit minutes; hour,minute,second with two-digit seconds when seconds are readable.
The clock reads 1,38
